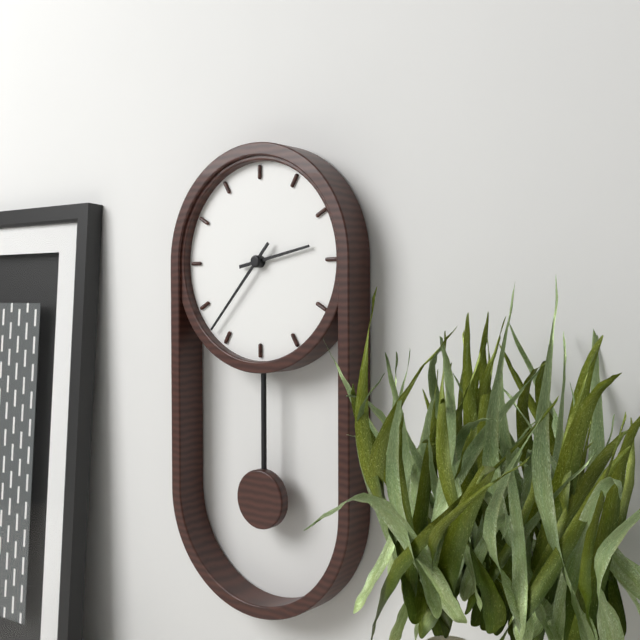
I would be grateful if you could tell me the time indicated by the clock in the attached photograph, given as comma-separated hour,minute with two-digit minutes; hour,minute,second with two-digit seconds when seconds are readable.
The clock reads 2,37
